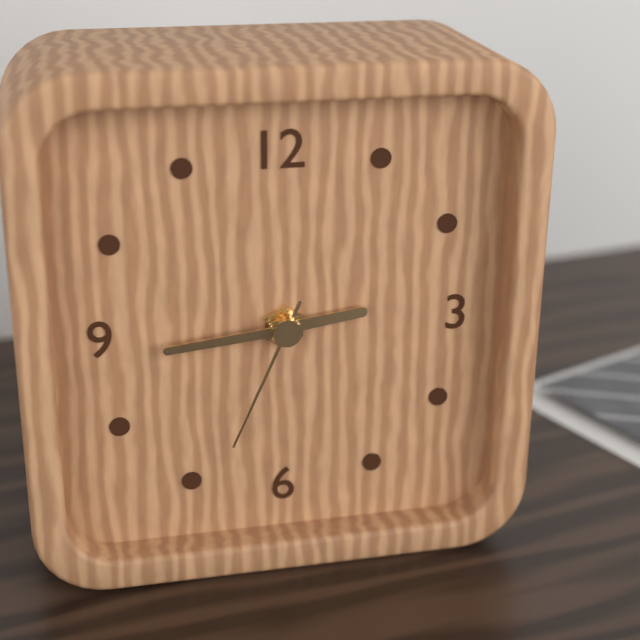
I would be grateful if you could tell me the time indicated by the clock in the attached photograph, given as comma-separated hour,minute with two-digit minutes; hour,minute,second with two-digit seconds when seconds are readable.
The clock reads 2,44,34
